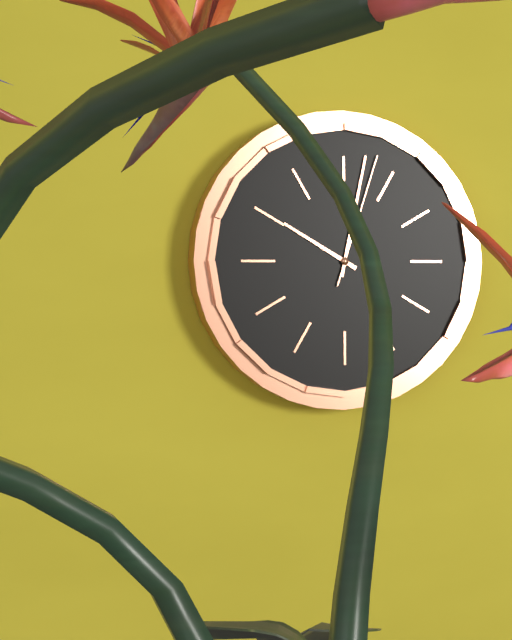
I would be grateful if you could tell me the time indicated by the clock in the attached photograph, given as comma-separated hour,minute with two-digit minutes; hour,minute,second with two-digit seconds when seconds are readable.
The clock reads 10,02,03
